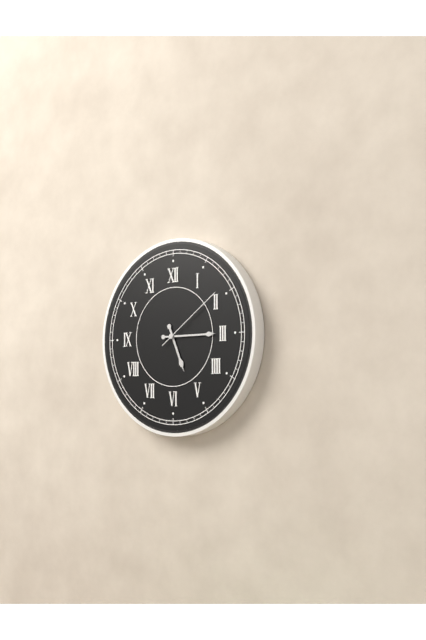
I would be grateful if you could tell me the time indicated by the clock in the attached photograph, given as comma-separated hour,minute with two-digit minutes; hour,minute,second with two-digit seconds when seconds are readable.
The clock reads 5,15,09
